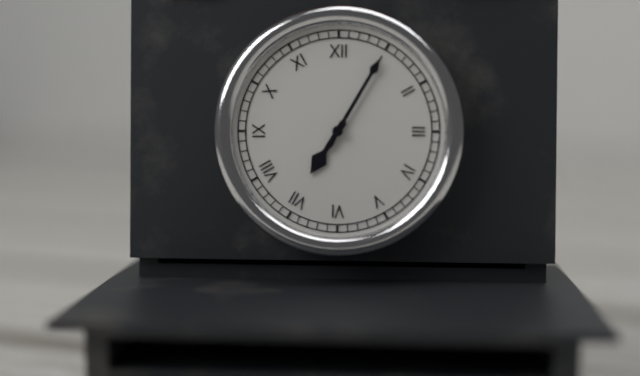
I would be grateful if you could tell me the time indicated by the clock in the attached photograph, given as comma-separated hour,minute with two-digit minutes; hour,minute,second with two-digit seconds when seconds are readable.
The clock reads 7,05
